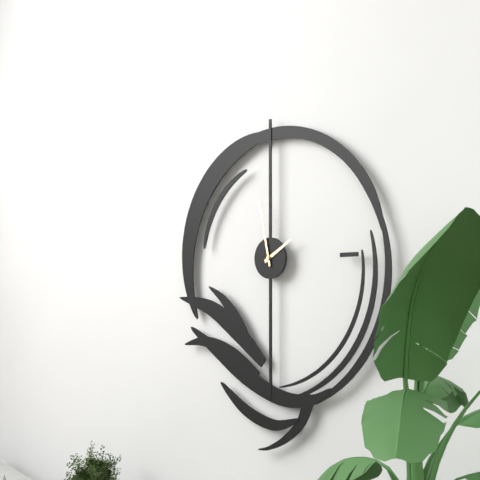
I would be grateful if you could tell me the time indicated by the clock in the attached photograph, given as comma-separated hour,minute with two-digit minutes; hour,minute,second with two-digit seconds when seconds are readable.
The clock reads 1,58
